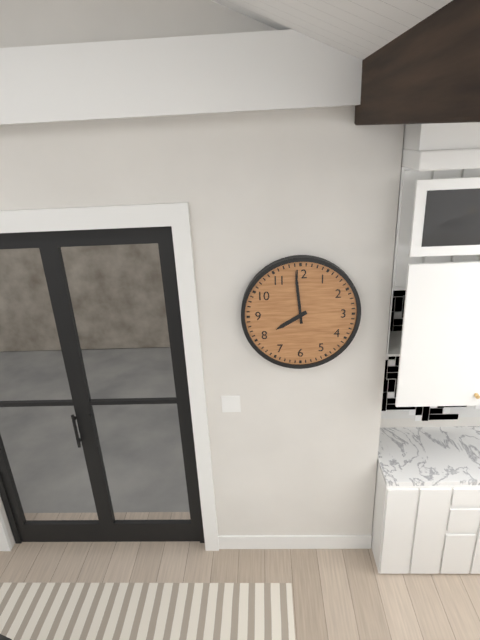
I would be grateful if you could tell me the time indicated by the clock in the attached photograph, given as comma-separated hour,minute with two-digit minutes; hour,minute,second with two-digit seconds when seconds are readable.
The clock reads 7,59
